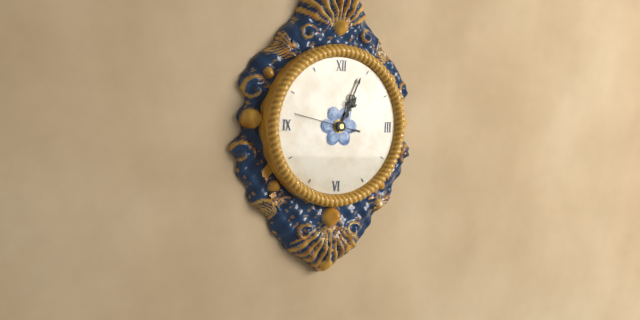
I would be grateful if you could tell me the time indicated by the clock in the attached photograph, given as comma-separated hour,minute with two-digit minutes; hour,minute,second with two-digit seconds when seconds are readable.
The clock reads 1,04,47
